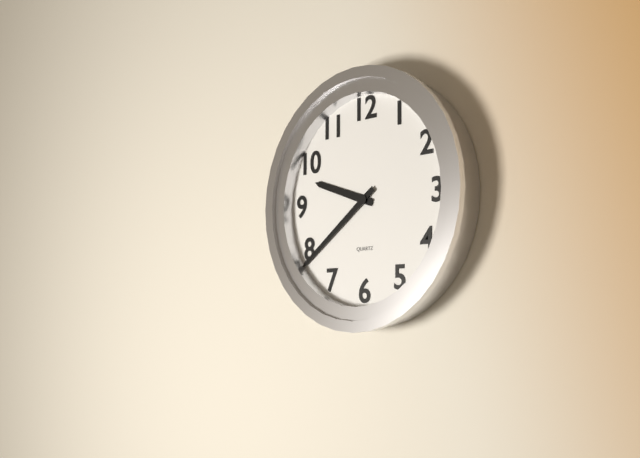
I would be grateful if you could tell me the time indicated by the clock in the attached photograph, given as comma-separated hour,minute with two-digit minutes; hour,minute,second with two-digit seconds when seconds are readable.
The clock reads 9,39
